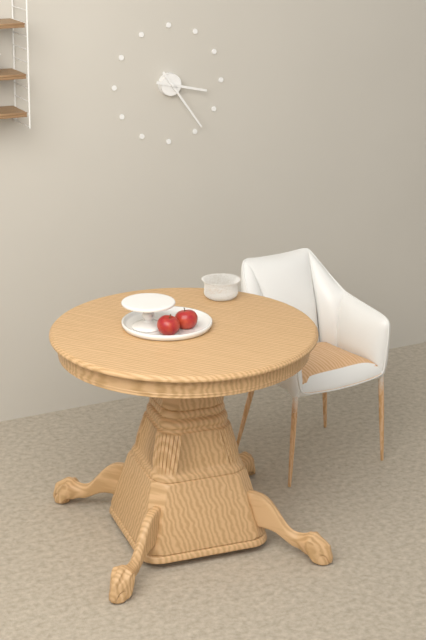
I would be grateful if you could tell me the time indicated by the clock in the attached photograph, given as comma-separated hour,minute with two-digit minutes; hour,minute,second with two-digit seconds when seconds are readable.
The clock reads 3,24
